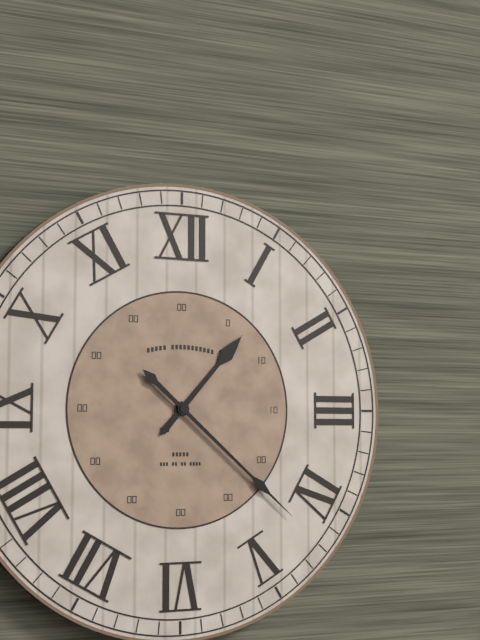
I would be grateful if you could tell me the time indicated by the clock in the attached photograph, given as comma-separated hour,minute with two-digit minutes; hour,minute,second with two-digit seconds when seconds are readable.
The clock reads 1,22
